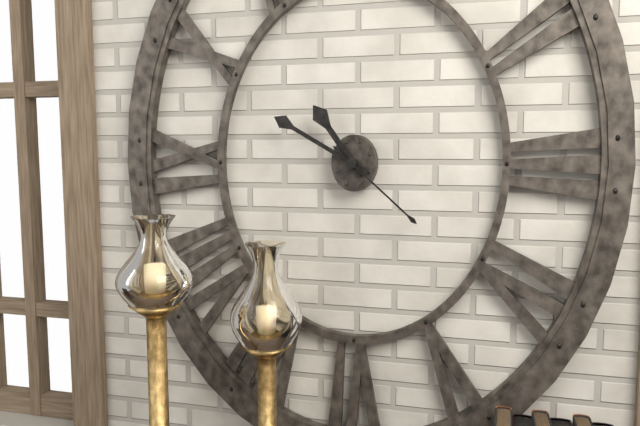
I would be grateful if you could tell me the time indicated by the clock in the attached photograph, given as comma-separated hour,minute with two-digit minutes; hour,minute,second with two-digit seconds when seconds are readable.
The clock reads 10,50,22
